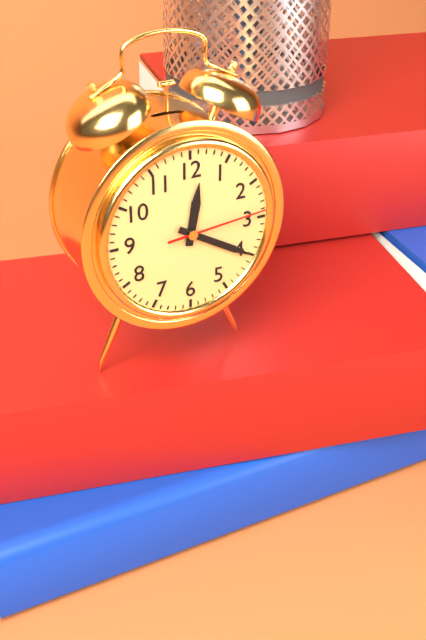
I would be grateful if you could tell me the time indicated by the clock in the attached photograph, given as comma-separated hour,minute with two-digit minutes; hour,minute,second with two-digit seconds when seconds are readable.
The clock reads 12,20,14
